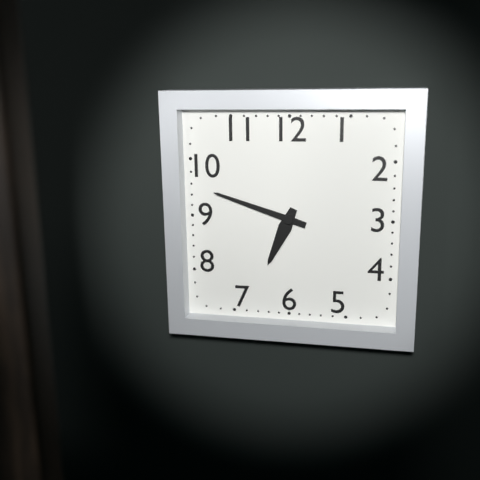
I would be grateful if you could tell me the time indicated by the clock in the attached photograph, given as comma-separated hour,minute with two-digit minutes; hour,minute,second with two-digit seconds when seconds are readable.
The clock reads 6,48
